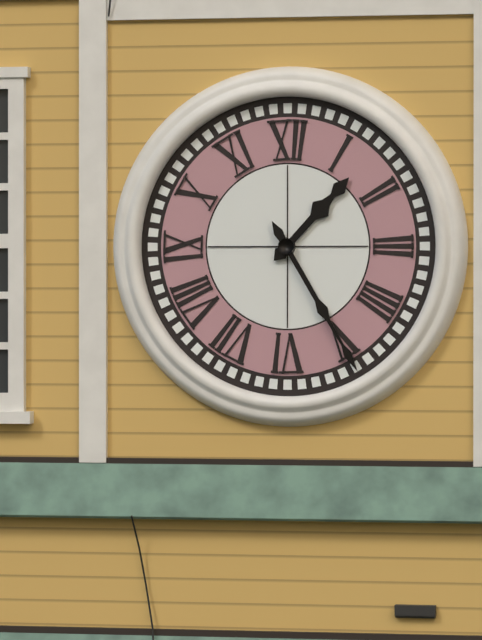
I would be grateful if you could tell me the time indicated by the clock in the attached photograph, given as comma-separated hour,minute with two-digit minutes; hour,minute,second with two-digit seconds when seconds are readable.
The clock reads 1,25
